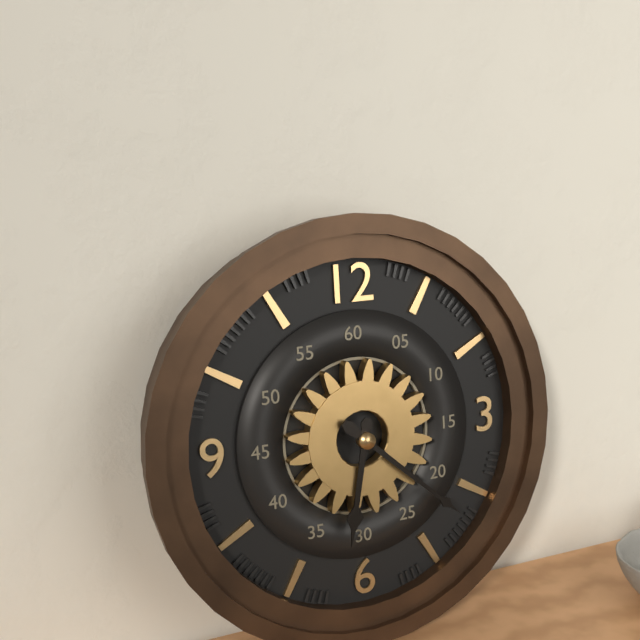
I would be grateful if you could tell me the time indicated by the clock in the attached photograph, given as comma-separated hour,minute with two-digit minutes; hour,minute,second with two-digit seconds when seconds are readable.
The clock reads 6,22
